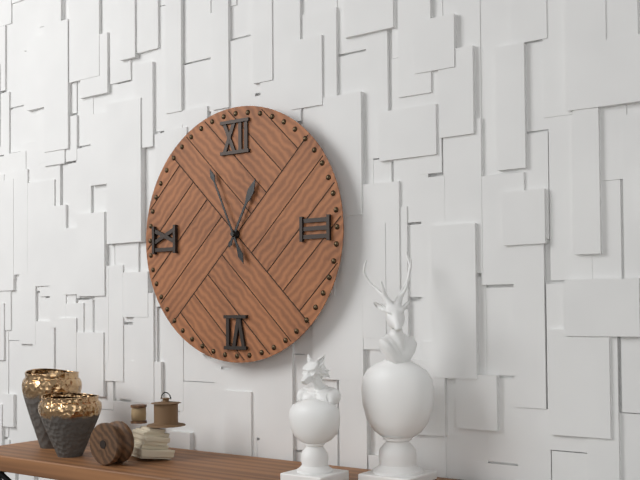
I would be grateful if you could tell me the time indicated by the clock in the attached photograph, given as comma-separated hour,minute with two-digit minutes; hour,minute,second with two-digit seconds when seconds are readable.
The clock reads 12,56
